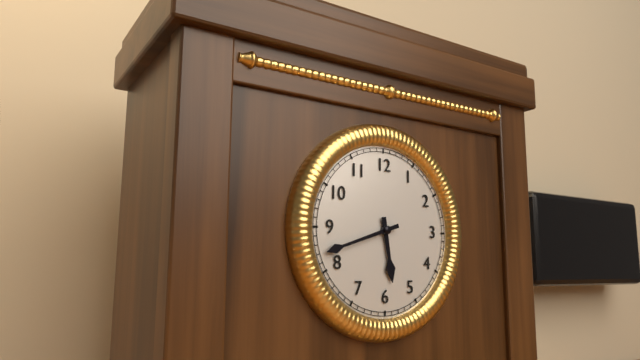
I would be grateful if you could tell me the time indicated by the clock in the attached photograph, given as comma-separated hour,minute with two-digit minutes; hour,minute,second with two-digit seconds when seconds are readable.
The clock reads 5,42
